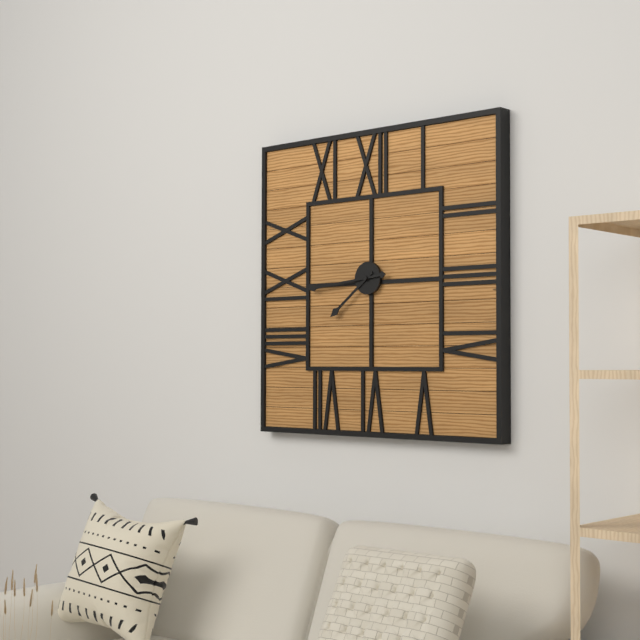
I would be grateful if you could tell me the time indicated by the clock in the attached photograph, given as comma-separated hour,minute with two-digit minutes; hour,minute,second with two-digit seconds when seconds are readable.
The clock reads 7,44
